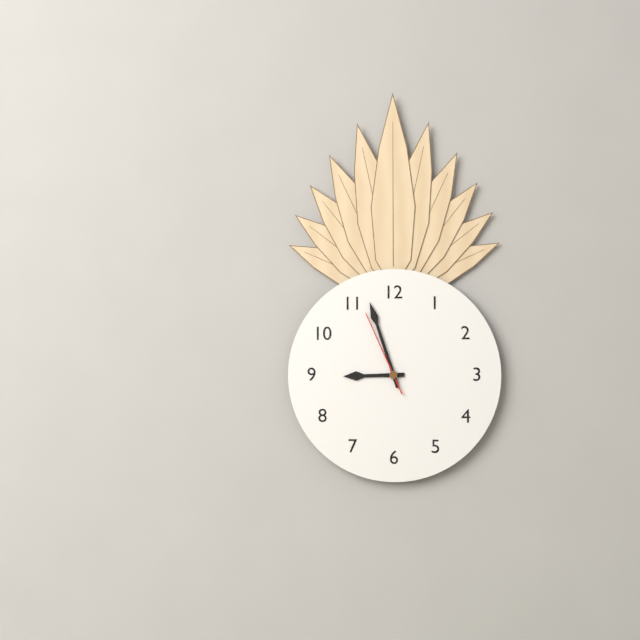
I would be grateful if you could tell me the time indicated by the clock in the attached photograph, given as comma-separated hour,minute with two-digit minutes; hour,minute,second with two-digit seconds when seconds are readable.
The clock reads 8,57,56
